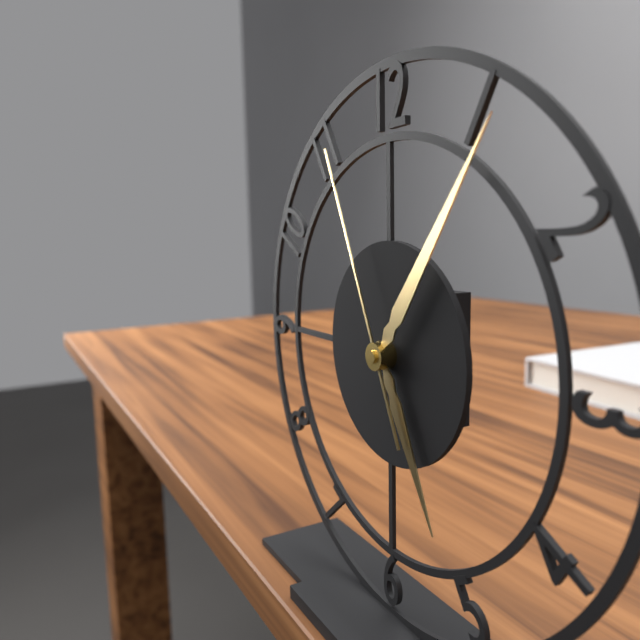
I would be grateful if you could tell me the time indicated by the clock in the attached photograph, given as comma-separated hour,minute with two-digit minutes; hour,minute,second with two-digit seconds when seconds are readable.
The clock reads 5,06,56
